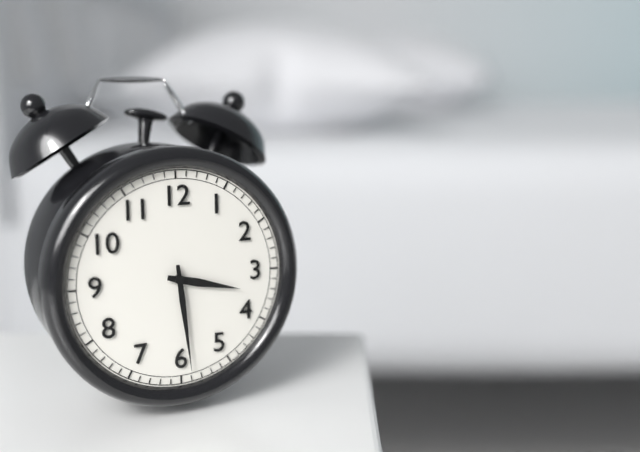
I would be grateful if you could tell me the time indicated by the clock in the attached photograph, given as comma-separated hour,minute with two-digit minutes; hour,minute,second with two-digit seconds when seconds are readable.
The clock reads 3,29
